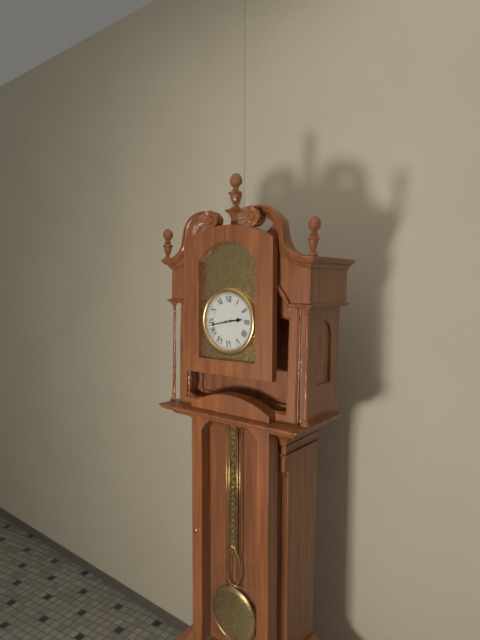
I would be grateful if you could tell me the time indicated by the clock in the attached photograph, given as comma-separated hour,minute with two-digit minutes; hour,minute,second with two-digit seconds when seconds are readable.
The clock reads 2,43
